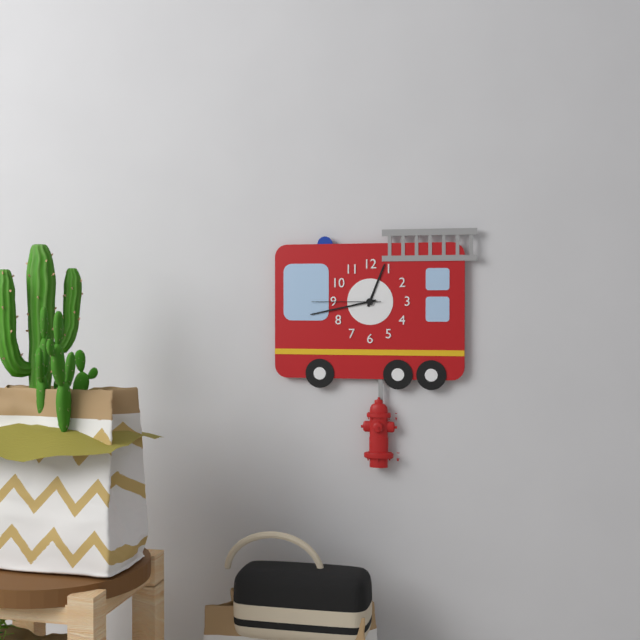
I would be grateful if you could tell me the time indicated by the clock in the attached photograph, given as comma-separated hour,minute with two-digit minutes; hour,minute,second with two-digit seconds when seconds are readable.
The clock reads 12,43,45
